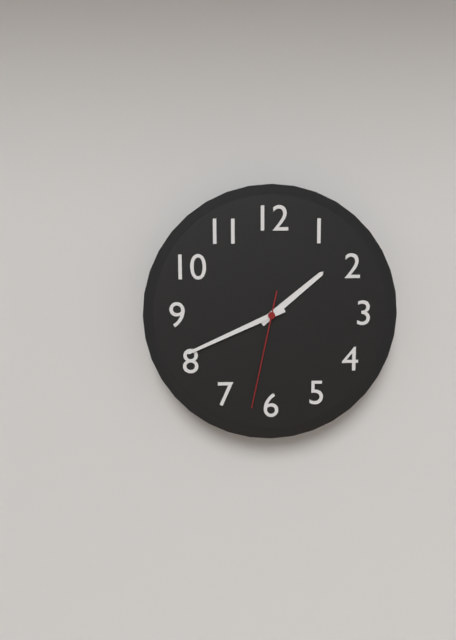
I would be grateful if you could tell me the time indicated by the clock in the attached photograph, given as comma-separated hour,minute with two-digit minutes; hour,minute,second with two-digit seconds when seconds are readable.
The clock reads 1,41,32
